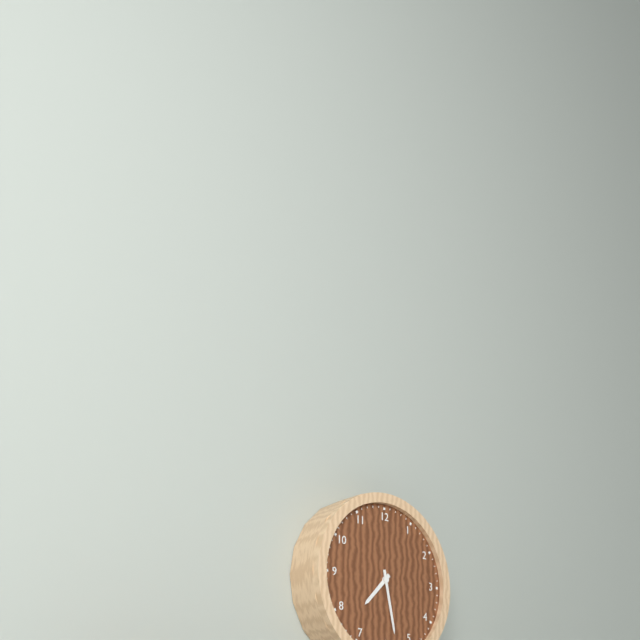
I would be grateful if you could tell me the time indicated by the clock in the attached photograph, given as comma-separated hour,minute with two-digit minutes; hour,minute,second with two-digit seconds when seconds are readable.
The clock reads 7,28
